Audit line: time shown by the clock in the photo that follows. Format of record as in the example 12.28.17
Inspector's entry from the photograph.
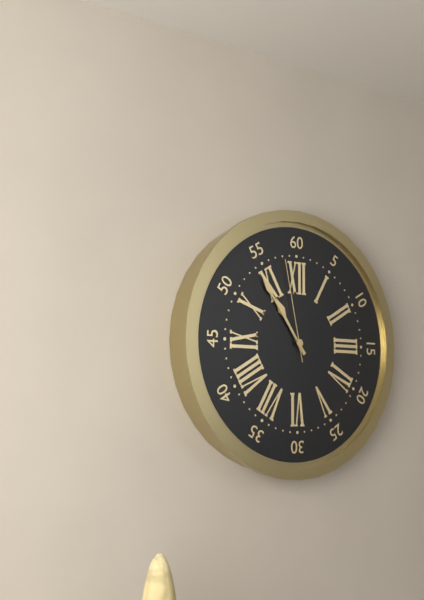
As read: 10.54.58
